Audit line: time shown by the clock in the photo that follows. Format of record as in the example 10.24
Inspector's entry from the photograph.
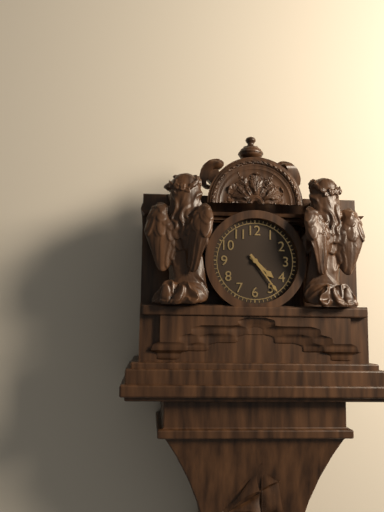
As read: 4.24
